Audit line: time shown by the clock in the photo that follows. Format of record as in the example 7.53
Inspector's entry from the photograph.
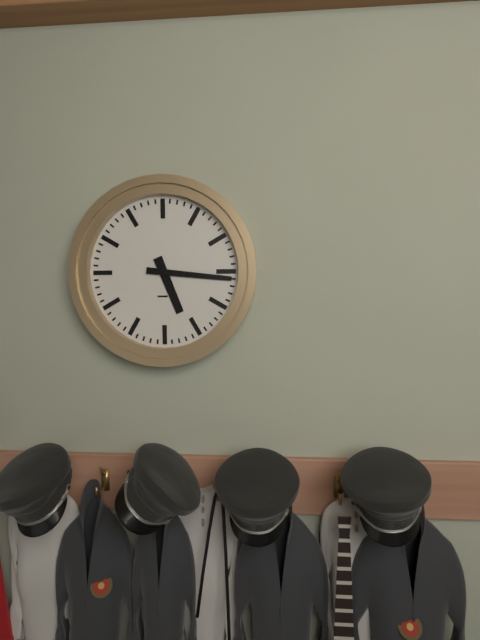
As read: 5.16
